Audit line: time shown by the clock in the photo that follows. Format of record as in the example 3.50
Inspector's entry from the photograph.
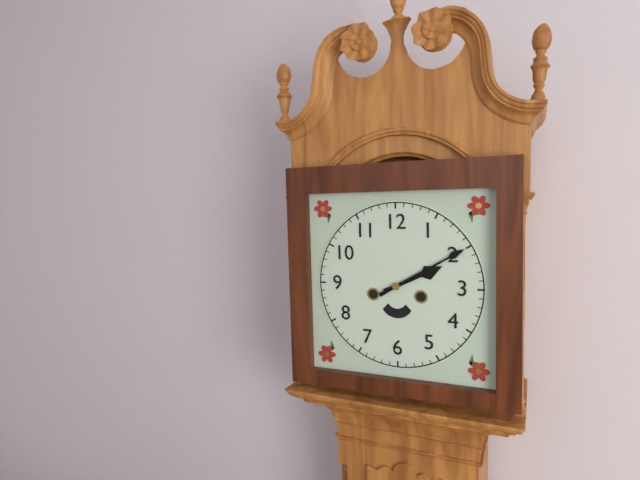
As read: 2.10
